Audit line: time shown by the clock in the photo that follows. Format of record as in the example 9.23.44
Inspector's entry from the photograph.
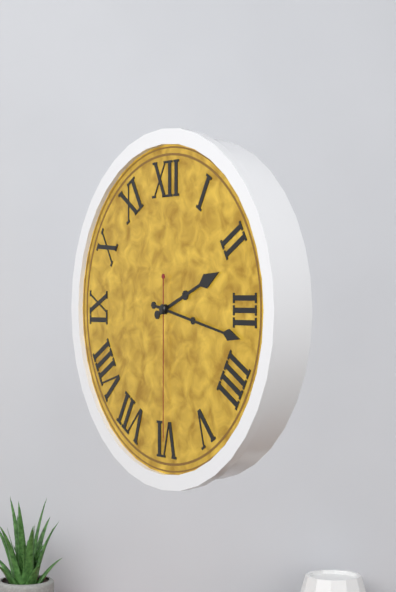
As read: 2.17.30
